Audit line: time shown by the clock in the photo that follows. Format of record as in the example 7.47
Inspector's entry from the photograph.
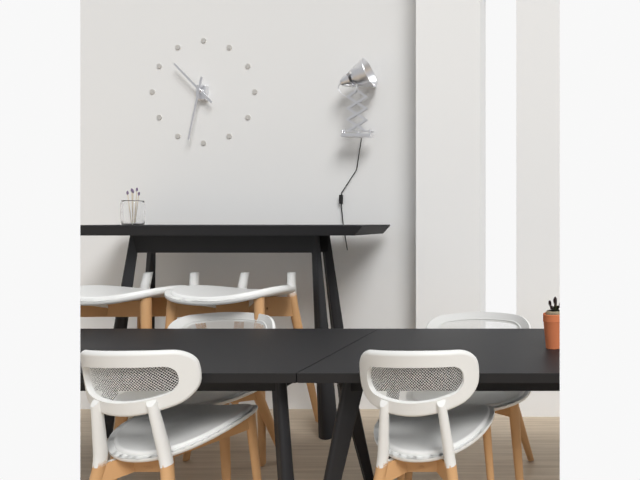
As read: 10.32
